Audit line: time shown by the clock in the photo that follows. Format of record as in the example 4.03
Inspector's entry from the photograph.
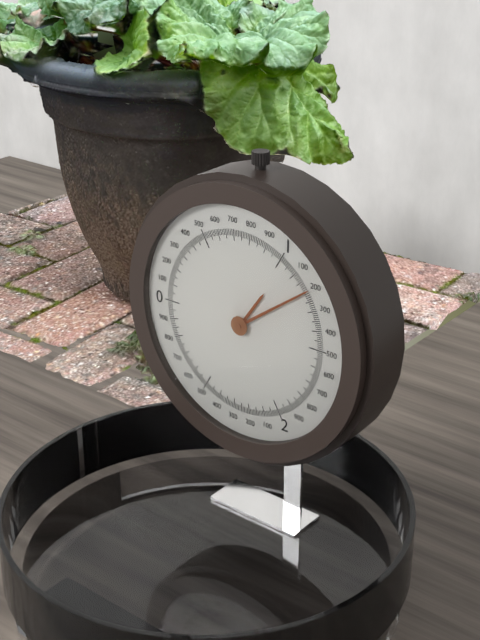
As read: 1.09
